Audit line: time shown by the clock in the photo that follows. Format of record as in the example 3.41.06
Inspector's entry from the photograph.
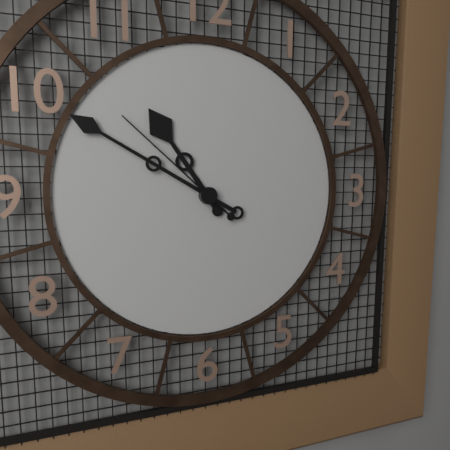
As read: 10.50.52
